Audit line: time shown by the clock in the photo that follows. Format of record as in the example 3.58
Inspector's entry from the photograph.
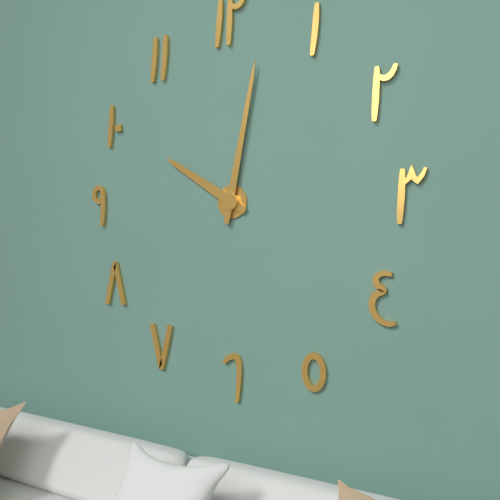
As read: 10.02
